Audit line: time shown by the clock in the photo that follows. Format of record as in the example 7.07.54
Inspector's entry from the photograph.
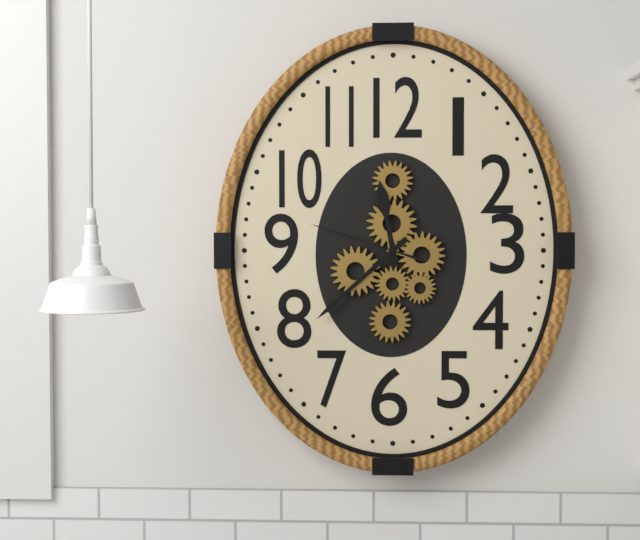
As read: 11.38.48
